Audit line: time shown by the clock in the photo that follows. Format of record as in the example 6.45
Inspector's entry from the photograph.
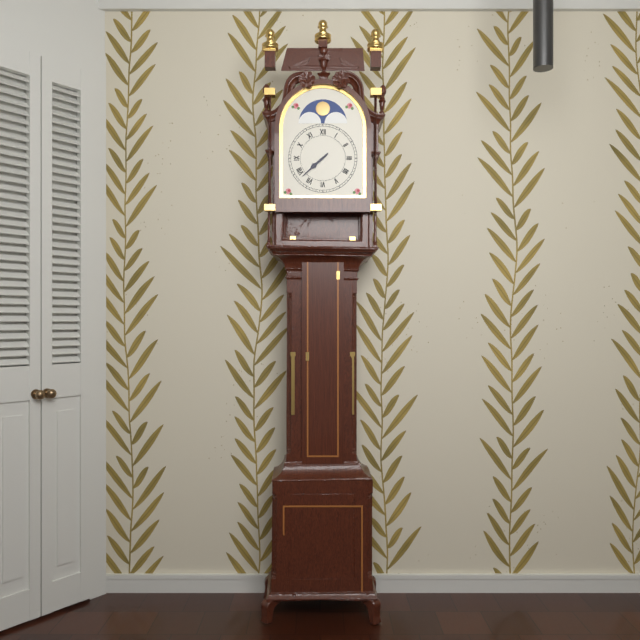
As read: 7.38
